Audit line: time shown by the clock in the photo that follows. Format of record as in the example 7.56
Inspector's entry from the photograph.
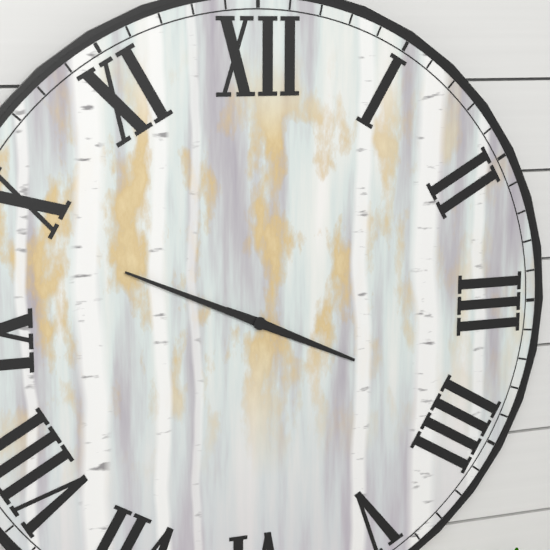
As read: 3.49
